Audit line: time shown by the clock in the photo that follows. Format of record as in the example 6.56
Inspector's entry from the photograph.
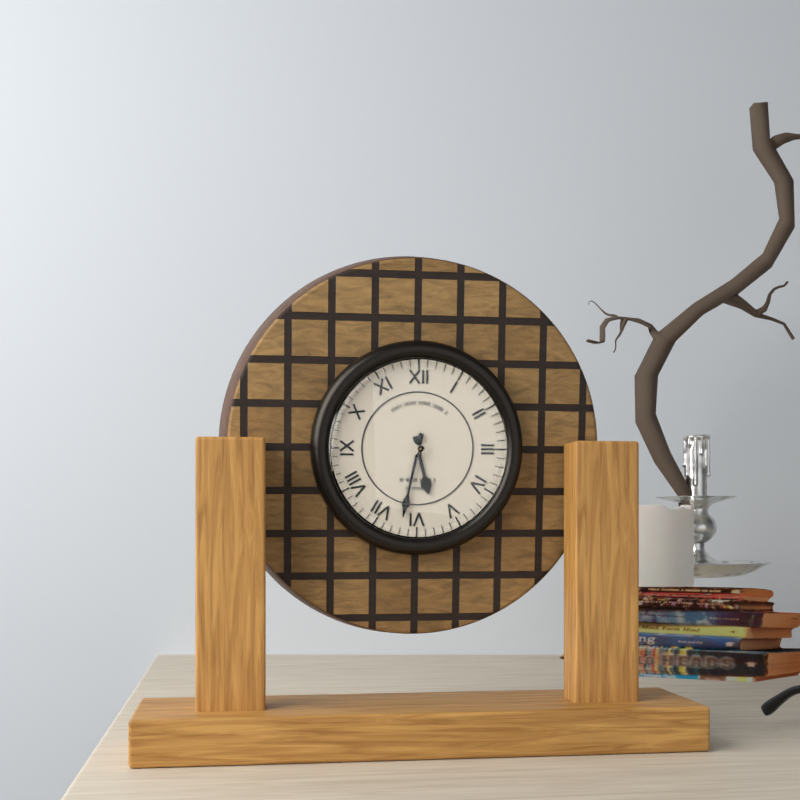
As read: 5.32
